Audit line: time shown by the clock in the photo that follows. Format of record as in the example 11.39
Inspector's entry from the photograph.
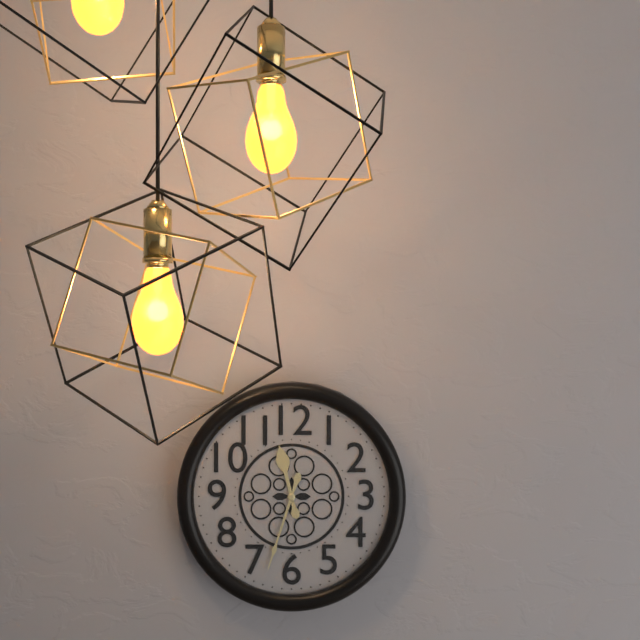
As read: 11.33
